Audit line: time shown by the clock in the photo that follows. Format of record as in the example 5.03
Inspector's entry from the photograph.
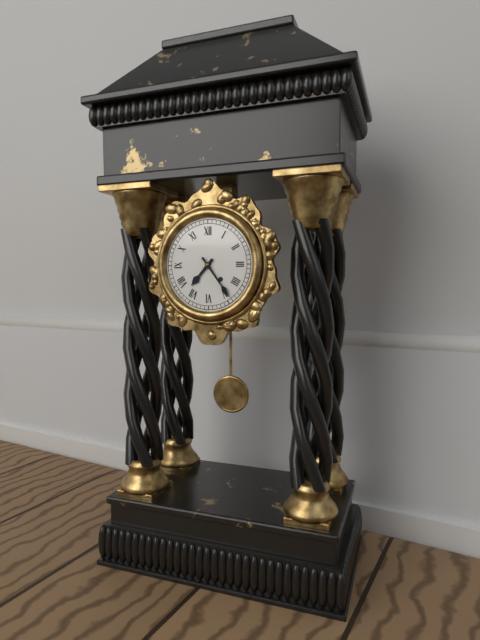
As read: 7.24
